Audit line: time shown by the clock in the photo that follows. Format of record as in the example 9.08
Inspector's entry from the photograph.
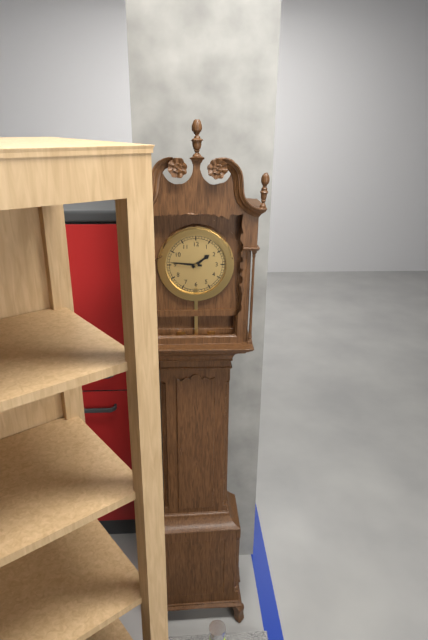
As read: 1.46
